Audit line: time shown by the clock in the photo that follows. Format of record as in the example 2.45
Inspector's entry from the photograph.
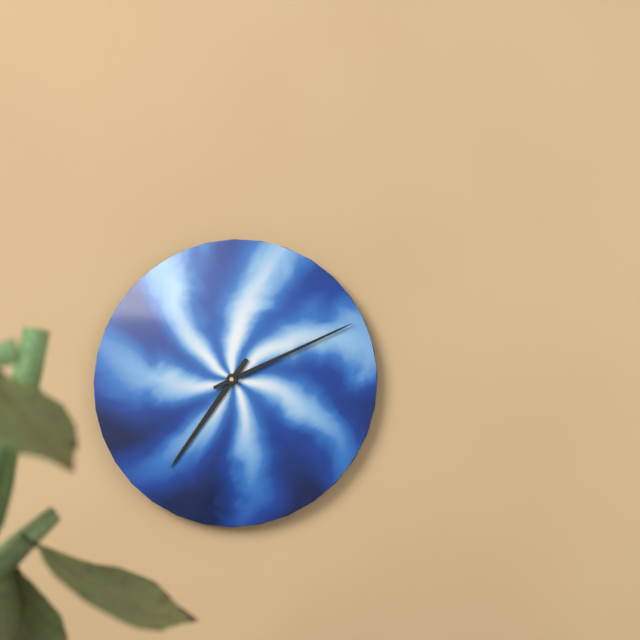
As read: 7.11
